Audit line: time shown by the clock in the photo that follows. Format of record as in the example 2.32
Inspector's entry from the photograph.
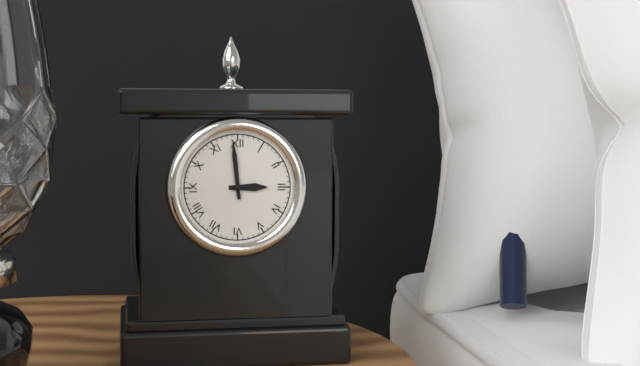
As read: 2.59
